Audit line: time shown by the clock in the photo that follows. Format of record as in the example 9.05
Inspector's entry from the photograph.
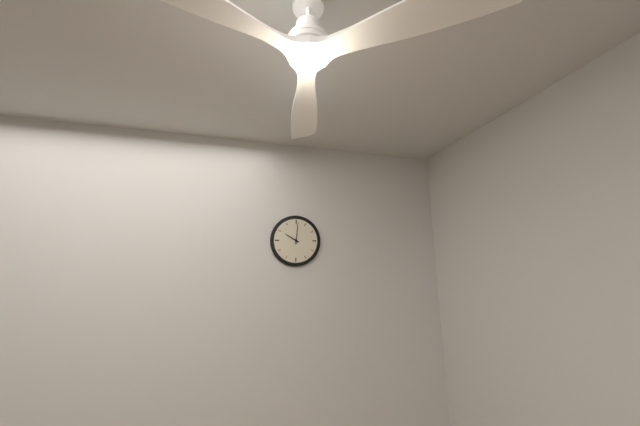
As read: 10.01
